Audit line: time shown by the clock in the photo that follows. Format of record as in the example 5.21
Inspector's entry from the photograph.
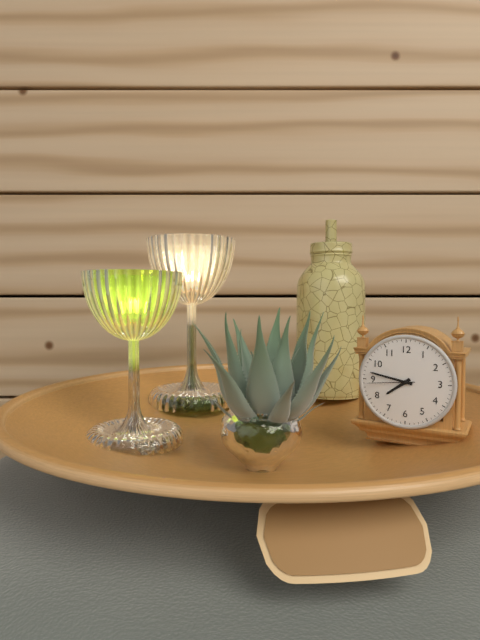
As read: 7.47
